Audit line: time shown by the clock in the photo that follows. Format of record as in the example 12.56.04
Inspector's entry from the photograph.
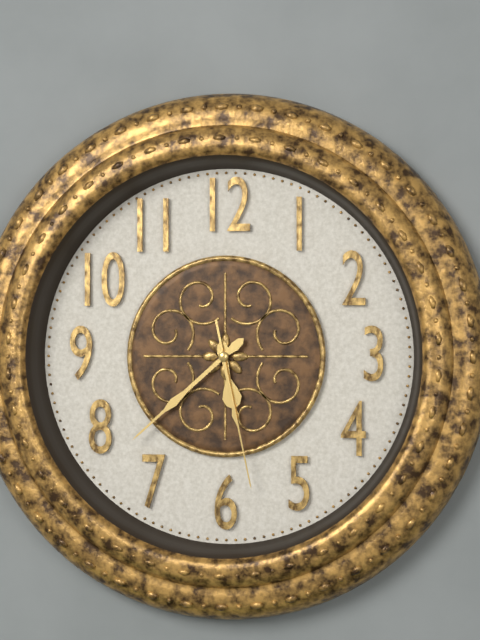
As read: 5.38.28
